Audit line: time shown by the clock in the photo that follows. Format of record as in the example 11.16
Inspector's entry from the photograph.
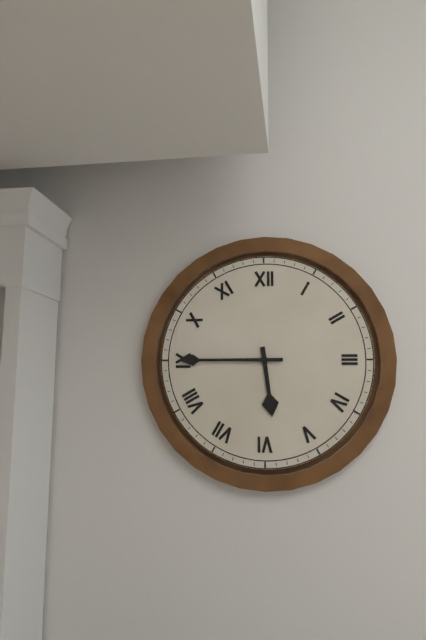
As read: 5.45
